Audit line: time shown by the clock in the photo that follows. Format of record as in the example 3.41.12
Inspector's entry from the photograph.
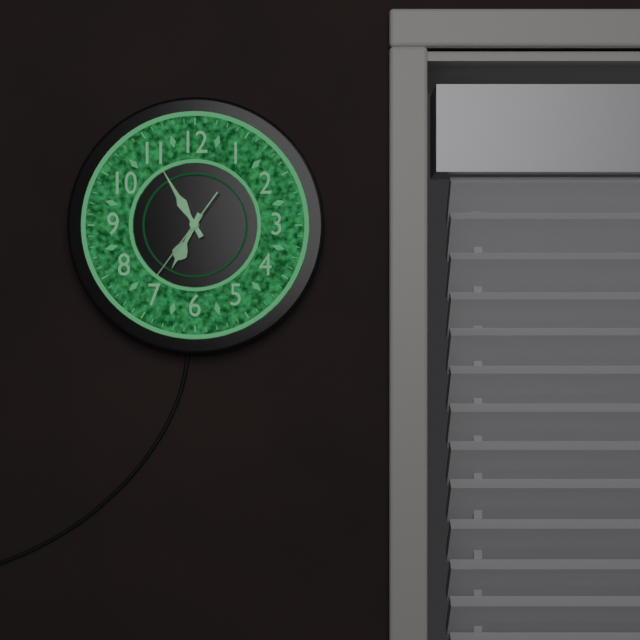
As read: 6.55.36
